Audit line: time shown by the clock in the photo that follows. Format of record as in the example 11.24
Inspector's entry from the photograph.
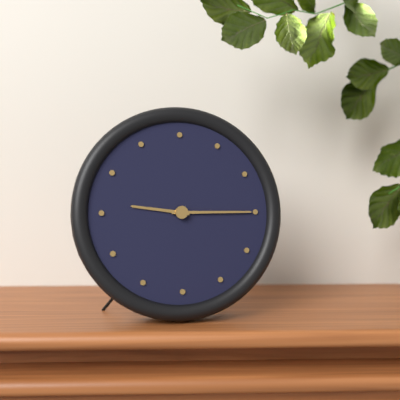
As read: 9.15
